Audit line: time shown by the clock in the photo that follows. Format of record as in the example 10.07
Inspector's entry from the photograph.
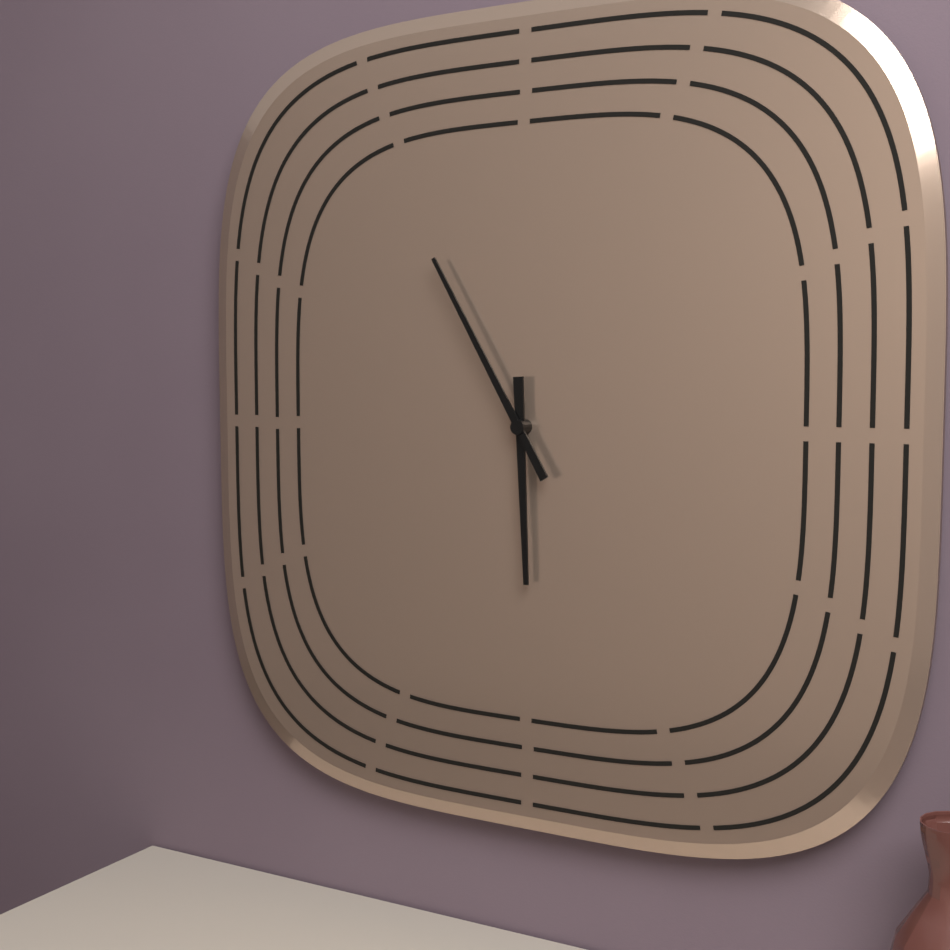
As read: 5.55
